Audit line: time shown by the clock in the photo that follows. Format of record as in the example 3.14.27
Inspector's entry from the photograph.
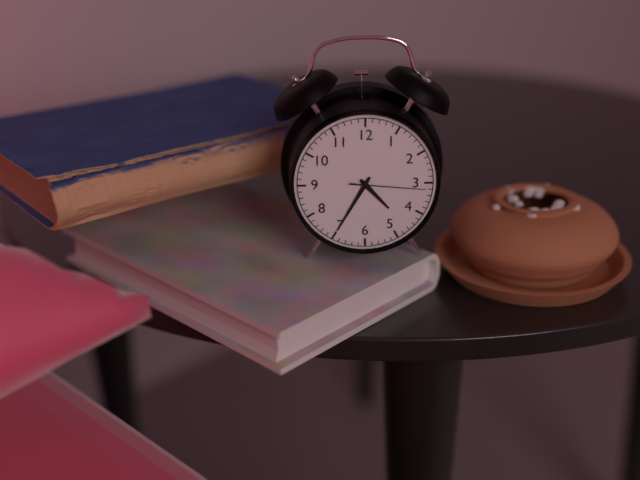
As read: 4.35.16
